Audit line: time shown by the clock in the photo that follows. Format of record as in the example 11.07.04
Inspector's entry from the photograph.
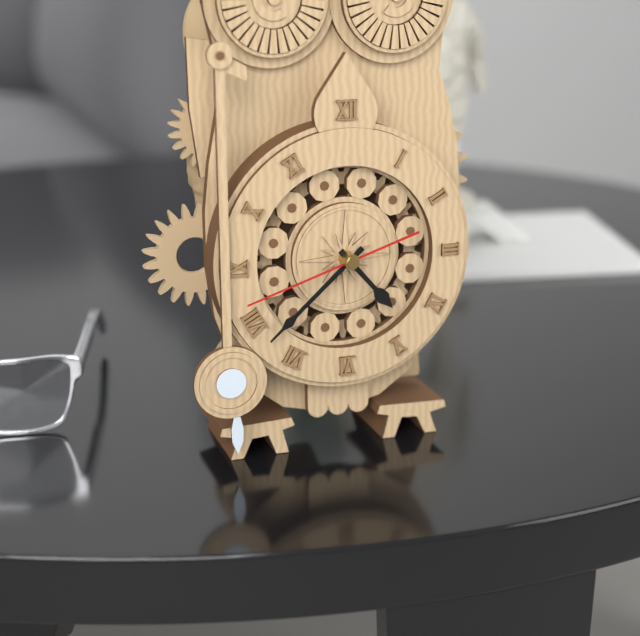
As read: 4.38.42
